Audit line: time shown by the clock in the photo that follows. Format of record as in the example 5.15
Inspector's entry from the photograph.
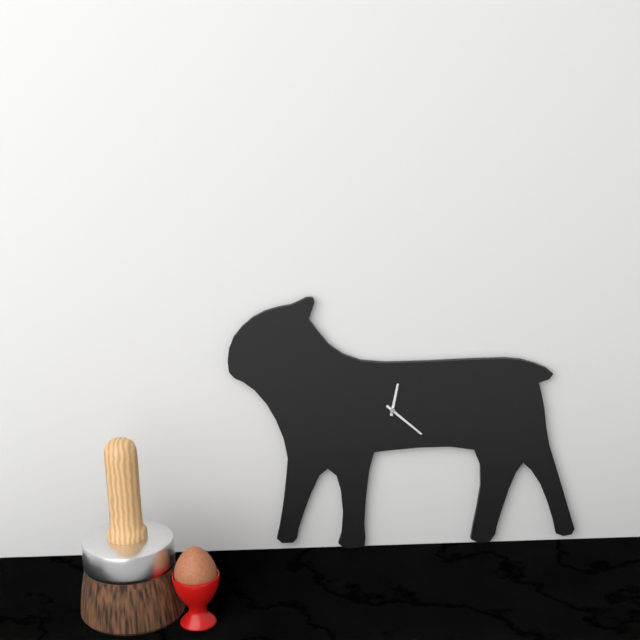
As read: 12.22
